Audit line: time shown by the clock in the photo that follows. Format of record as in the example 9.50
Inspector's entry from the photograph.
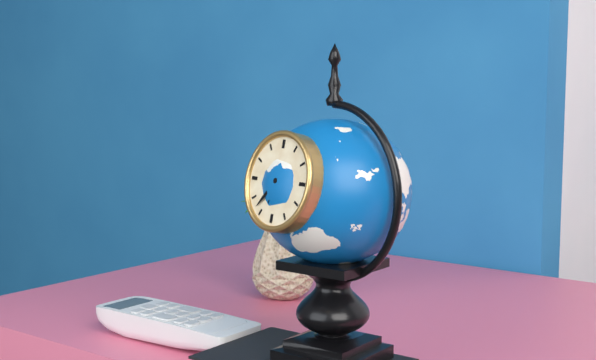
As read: 6.37
